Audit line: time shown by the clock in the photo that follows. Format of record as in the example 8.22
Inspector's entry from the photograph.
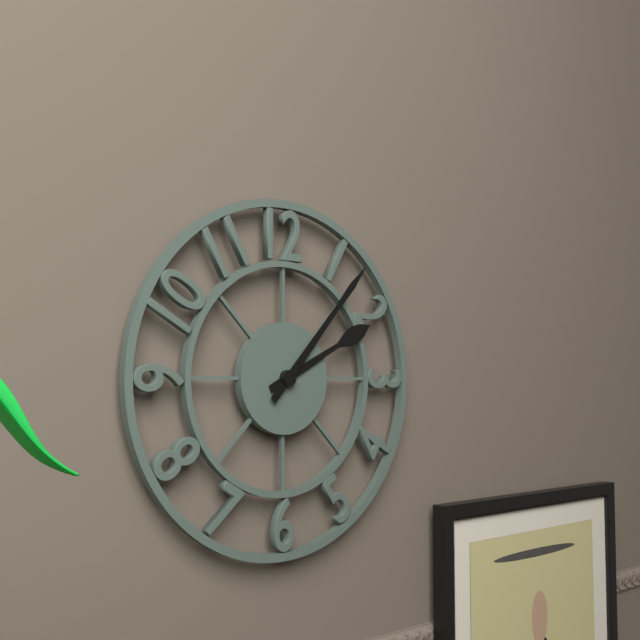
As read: 2.07
